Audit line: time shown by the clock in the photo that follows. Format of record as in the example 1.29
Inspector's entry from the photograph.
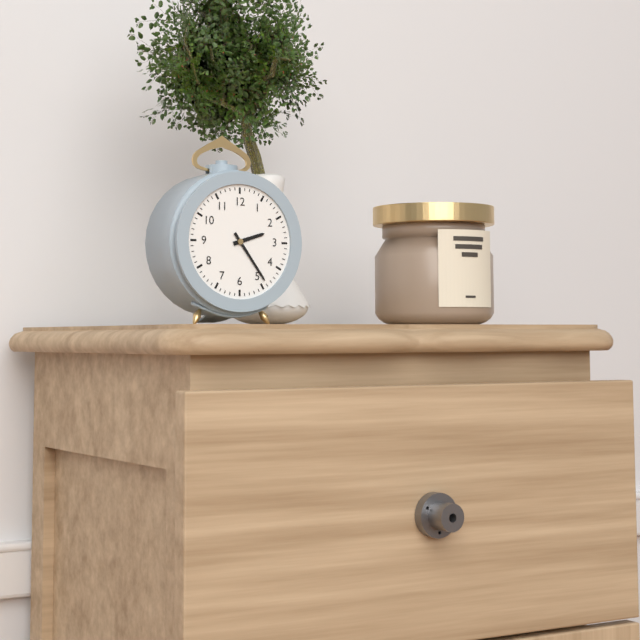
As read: 2.24
